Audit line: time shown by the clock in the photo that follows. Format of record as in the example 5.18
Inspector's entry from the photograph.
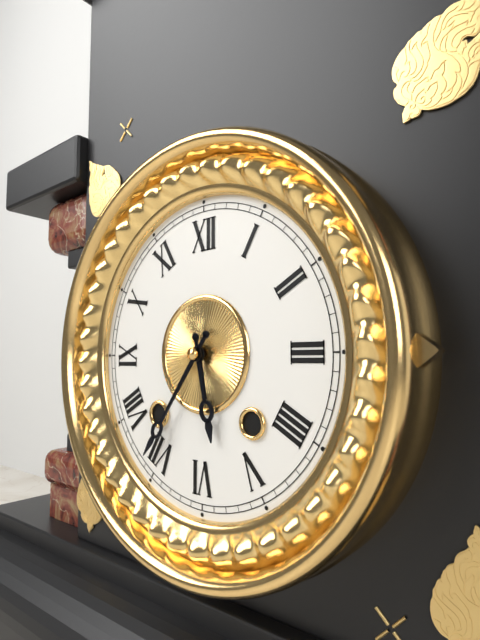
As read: 5.36
